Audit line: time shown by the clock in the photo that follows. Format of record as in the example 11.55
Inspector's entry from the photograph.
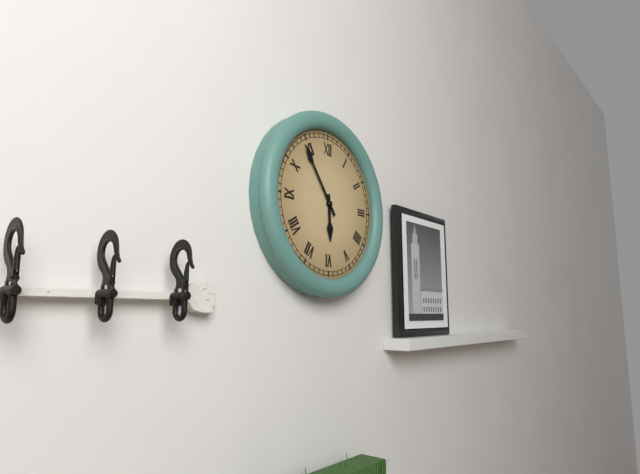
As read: 5.54
